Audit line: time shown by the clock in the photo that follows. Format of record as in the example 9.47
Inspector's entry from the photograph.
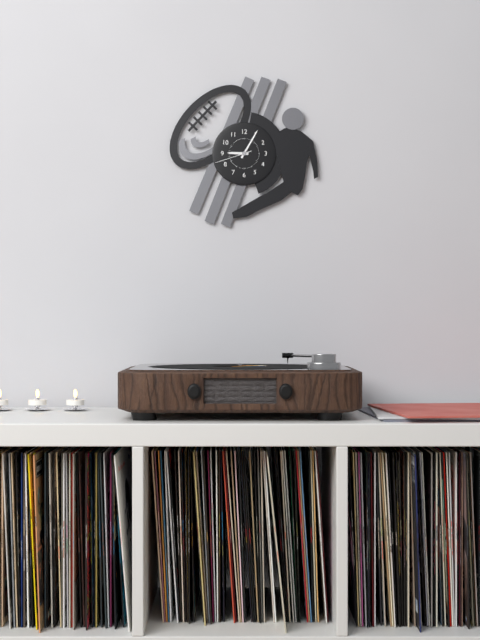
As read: 9.05
